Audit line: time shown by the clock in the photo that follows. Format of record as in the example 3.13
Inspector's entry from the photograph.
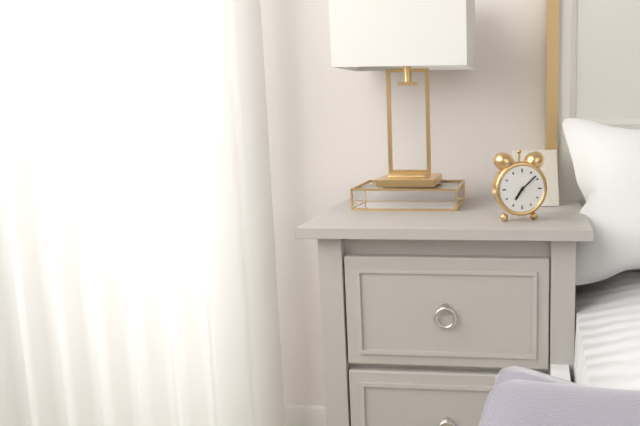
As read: 7.08
